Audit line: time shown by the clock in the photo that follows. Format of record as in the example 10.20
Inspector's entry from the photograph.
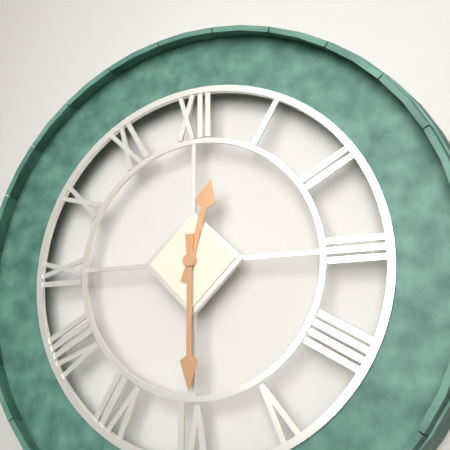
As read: 12.30
